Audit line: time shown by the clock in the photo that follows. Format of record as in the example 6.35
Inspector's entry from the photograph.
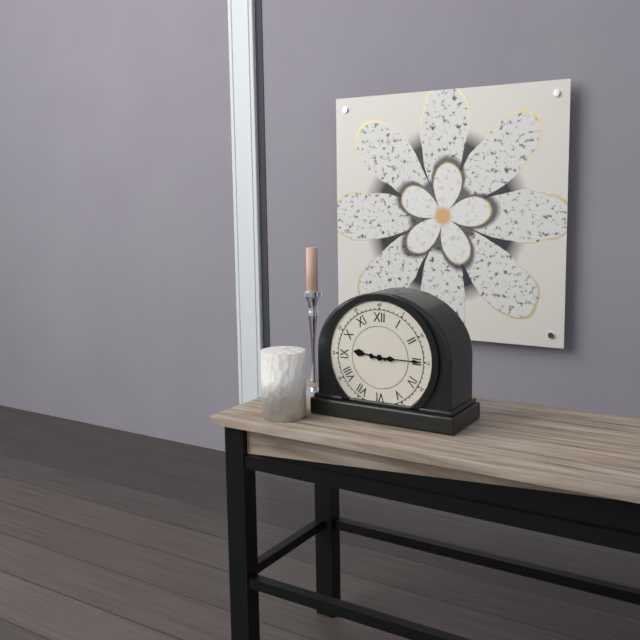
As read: 9.15
